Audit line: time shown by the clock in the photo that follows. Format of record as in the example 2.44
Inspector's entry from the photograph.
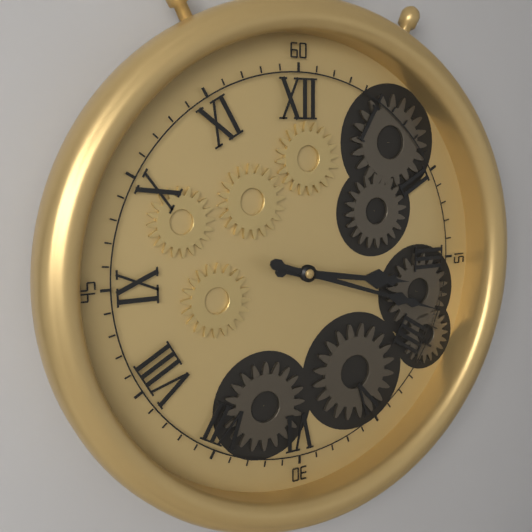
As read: 3.18
